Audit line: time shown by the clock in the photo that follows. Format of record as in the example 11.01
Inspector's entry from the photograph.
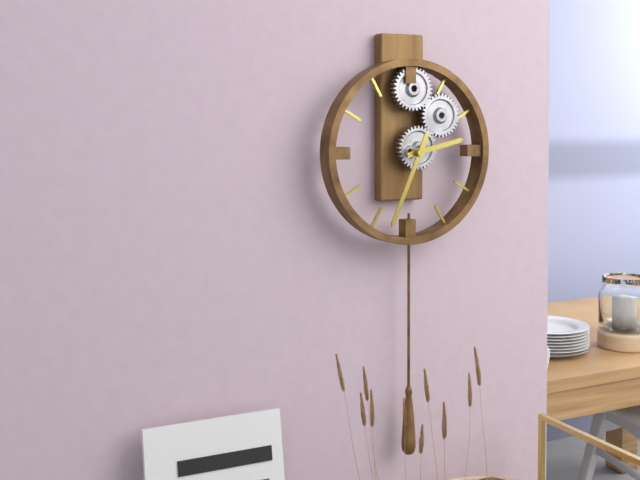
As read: 2.34
